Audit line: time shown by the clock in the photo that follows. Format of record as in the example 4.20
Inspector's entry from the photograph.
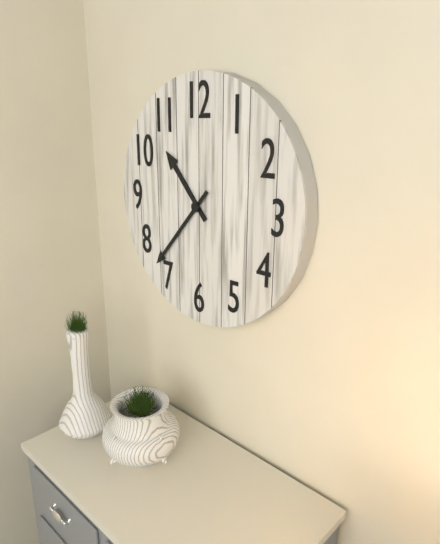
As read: 10.37
